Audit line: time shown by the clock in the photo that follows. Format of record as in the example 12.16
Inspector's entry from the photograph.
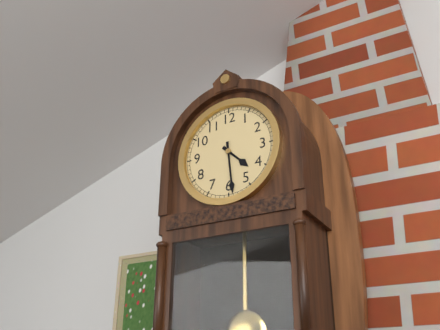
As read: 4.29
